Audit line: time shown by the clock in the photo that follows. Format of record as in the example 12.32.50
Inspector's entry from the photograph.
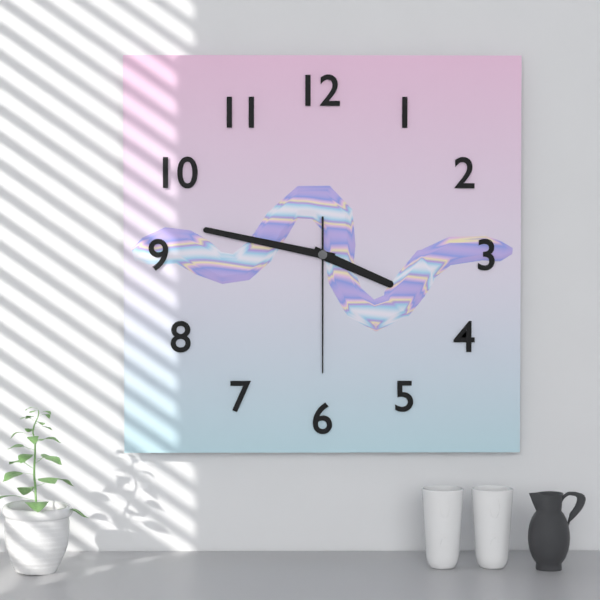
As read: 3.47.30
